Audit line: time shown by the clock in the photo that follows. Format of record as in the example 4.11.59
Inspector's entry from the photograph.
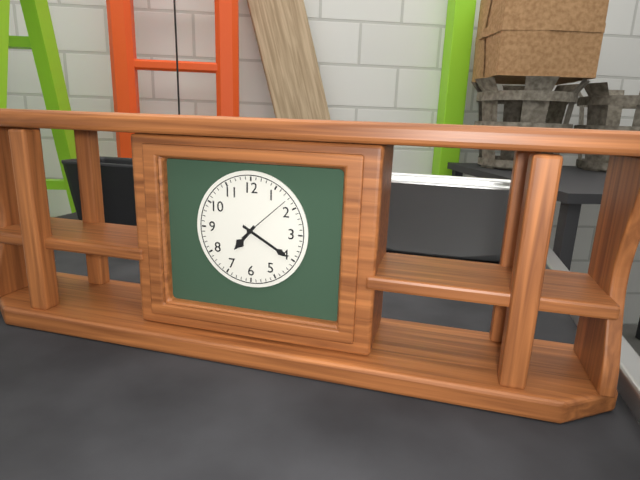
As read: 7.20.08
